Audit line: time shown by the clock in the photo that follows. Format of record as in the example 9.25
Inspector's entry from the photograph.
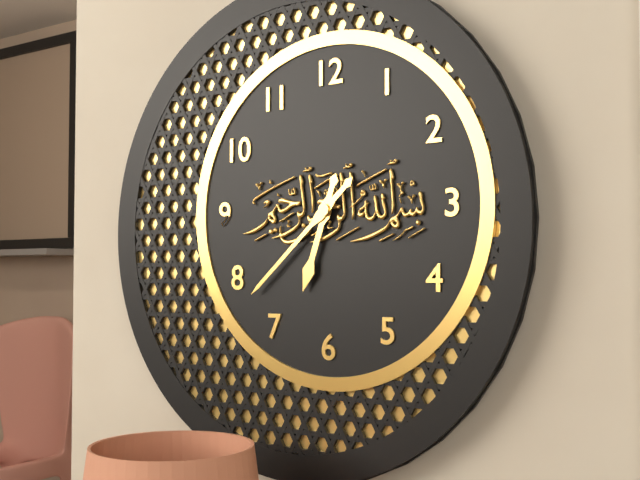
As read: 6.38
